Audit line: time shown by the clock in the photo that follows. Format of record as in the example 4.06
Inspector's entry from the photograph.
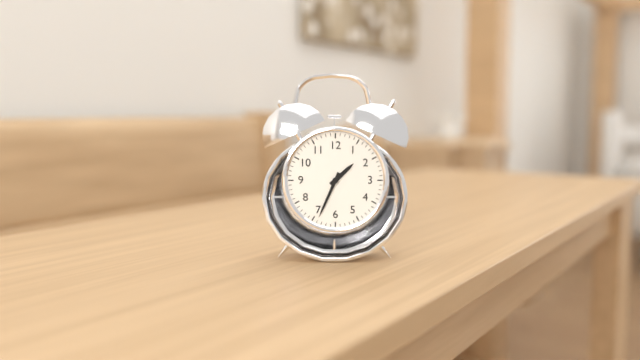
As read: 1.34
